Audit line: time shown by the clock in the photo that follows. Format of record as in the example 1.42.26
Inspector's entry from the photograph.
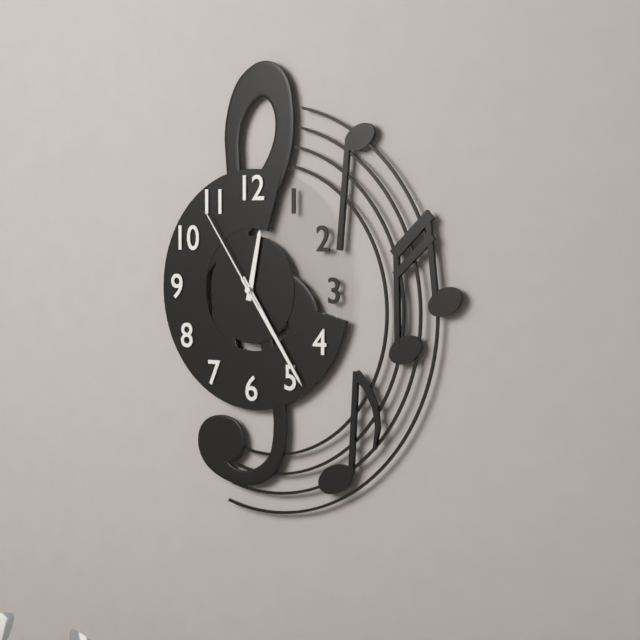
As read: 12.24.54
